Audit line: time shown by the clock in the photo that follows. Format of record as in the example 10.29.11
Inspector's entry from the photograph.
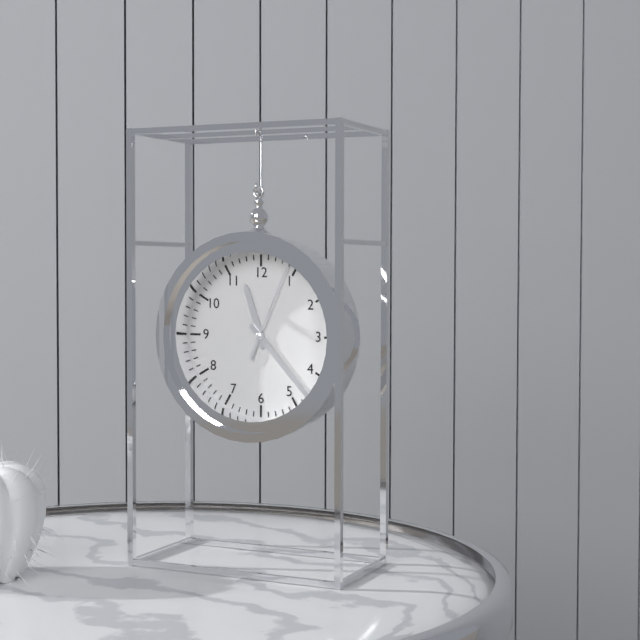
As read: 11.23.04
